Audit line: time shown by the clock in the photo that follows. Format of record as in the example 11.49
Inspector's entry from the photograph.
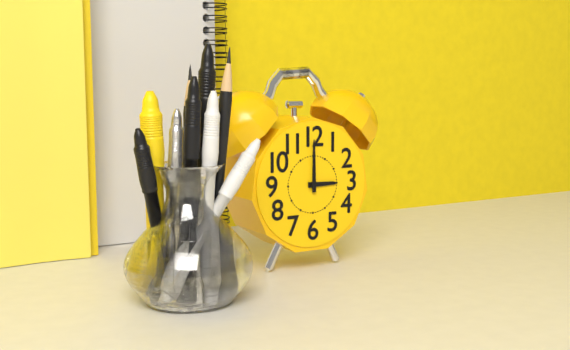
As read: 3.00
